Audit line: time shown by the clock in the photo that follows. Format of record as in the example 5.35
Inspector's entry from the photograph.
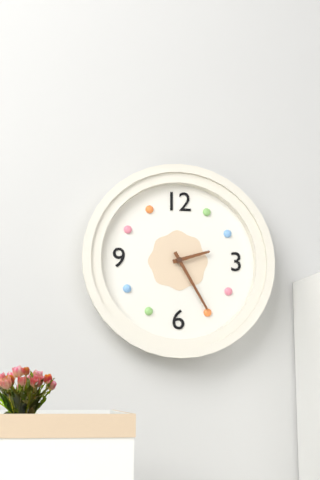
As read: 2.25
